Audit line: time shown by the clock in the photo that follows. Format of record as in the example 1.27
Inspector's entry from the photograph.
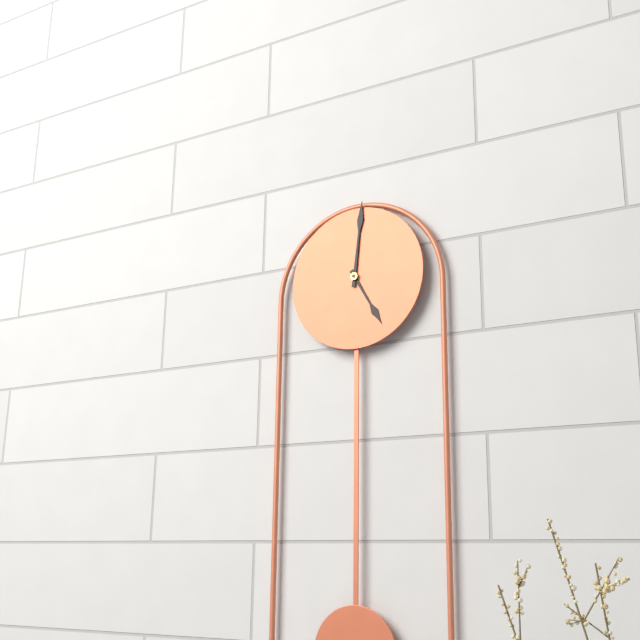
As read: 5.01
